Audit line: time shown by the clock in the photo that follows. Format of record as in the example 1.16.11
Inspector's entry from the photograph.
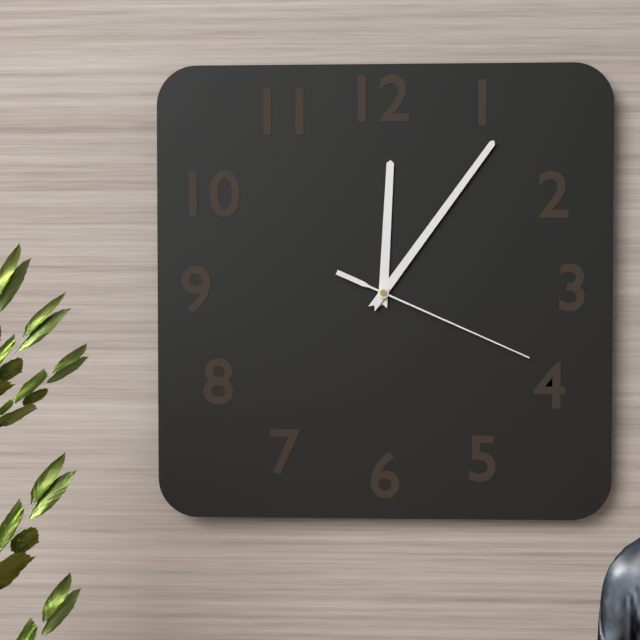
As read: 12.06.19
